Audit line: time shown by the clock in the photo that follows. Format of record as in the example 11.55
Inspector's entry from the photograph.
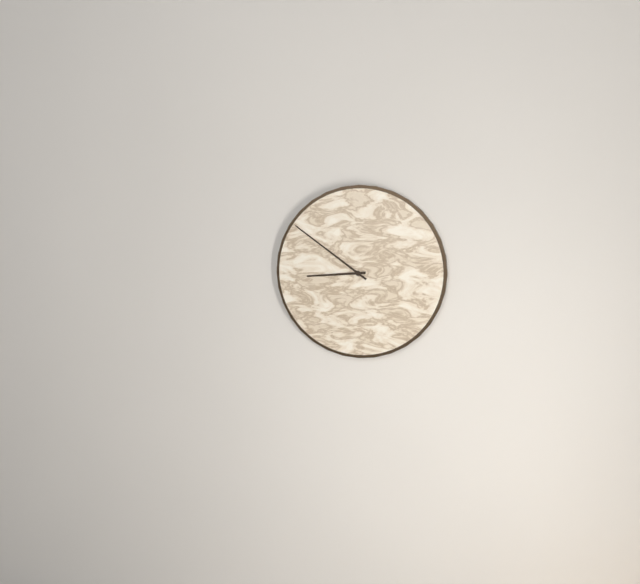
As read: 8.51
